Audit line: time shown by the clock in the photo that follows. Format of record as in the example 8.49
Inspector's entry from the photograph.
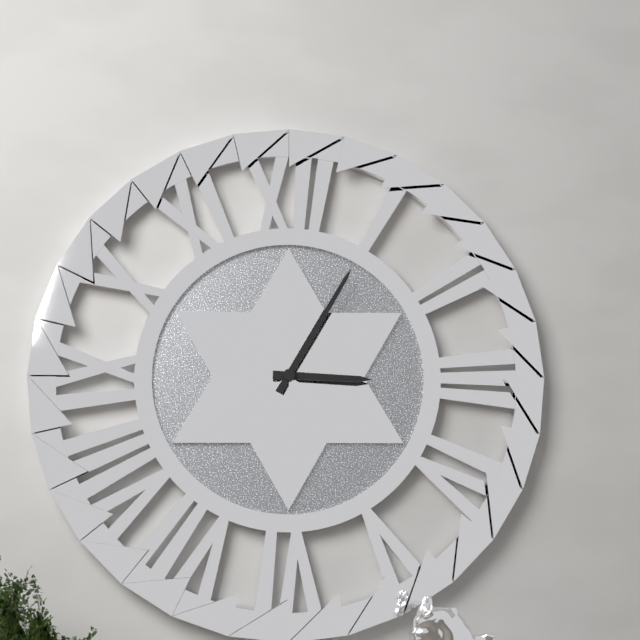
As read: 3.05
